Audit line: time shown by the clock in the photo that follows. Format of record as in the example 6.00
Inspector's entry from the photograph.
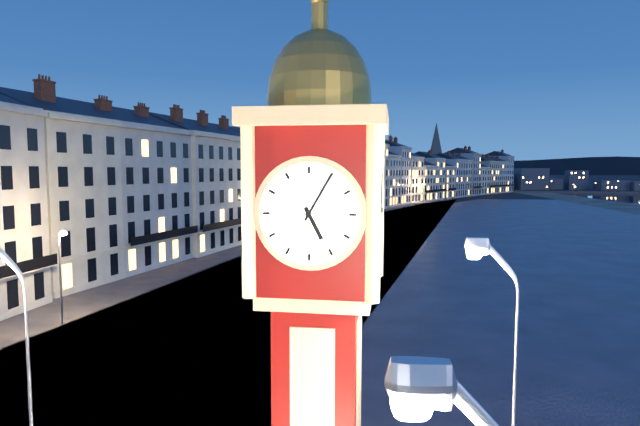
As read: 5.05
